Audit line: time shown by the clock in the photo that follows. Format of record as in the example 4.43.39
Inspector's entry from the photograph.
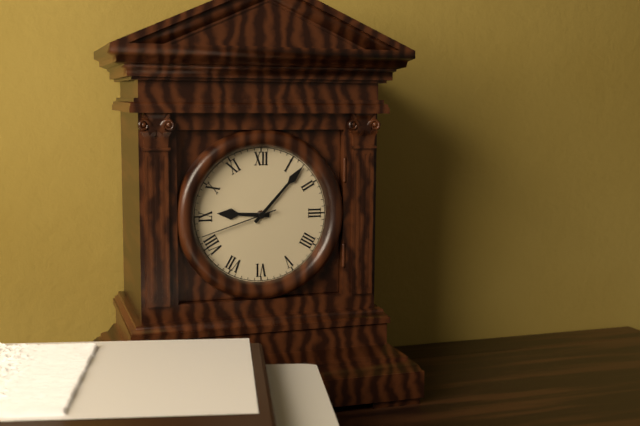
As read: 9.07.42
